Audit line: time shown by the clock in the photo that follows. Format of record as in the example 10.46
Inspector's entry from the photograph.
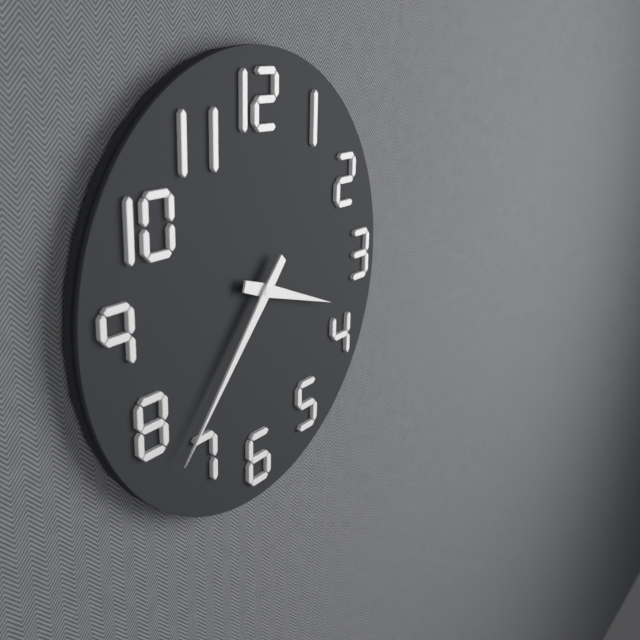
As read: 3.37
